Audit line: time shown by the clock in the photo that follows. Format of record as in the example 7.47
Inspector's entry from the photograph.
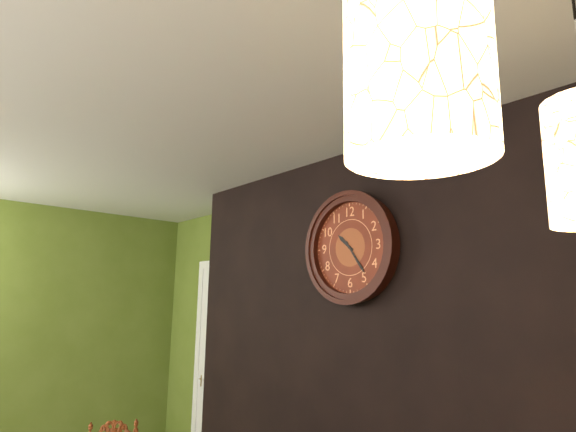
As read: 10.24
